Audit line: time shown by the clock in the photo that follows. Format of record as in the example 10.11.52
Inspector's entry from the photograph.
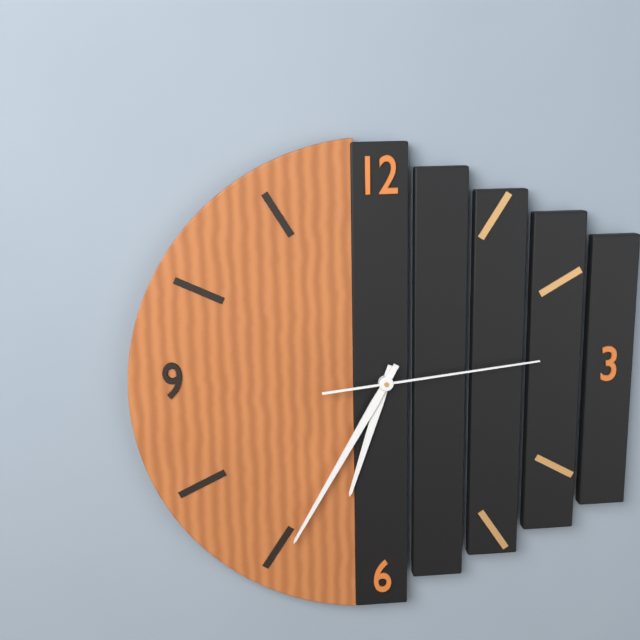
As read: 6.35.14
